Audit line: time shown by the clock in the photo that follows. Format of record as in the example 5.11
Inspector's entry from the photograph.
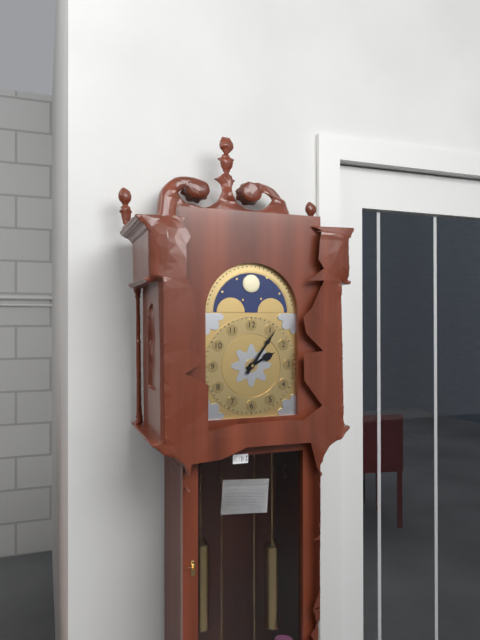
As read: 2.06
